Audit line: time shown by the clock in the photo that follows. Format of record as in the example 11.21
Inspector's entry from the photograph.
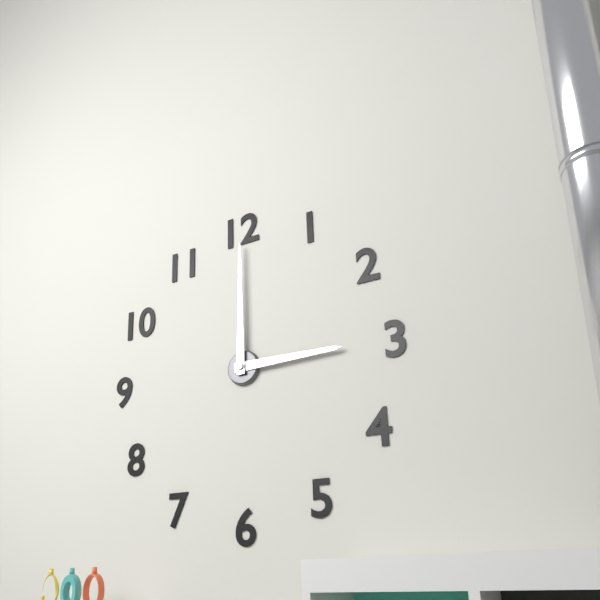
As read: 3.00
